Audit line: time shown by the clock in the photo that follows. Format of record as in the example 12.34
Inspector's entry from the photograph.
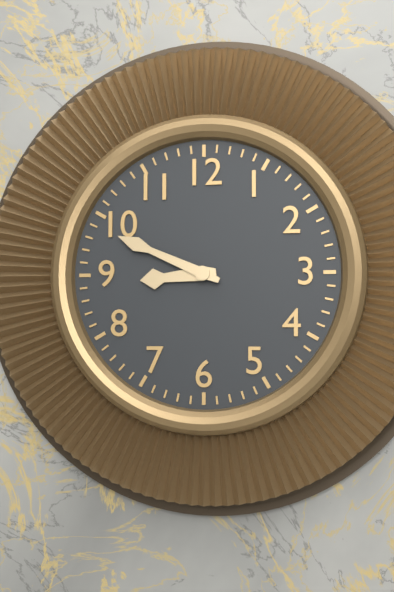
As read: 8.49
